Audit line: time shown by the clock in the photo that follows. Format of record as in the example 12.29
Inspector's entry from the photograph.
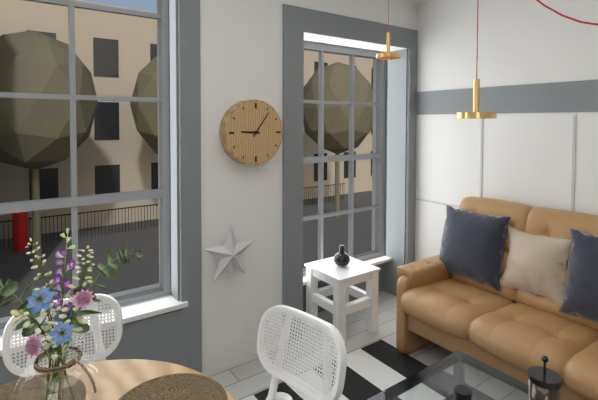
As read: 9.06
